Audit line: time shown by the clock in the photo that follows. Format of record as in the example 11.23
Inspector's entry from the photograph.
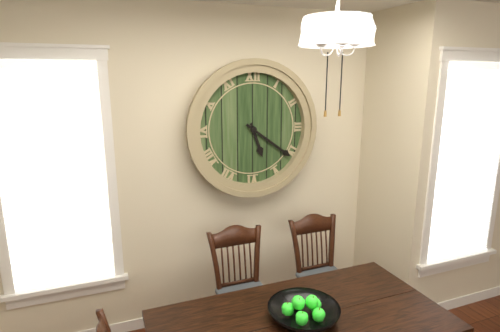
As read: 5.21
